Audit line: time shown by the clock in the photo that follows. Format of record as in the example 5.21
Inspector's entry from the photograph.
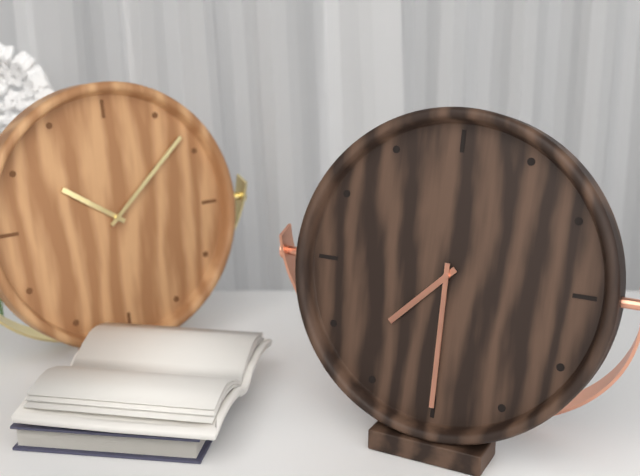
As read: 7.30
